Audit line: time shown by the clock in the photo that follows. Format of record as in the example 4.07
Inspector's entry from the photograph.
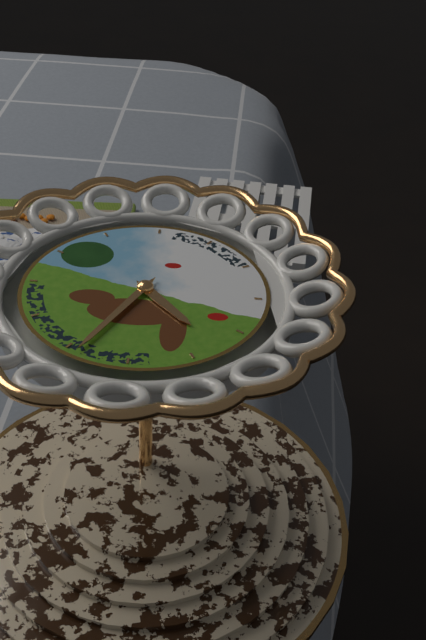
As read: 4.34
